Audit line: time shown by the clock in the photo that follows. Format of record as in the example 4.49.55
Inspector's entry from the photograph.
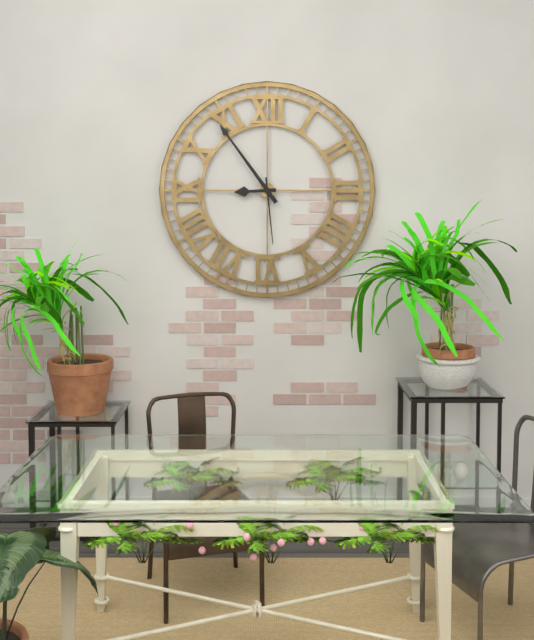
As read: 8.54.29
